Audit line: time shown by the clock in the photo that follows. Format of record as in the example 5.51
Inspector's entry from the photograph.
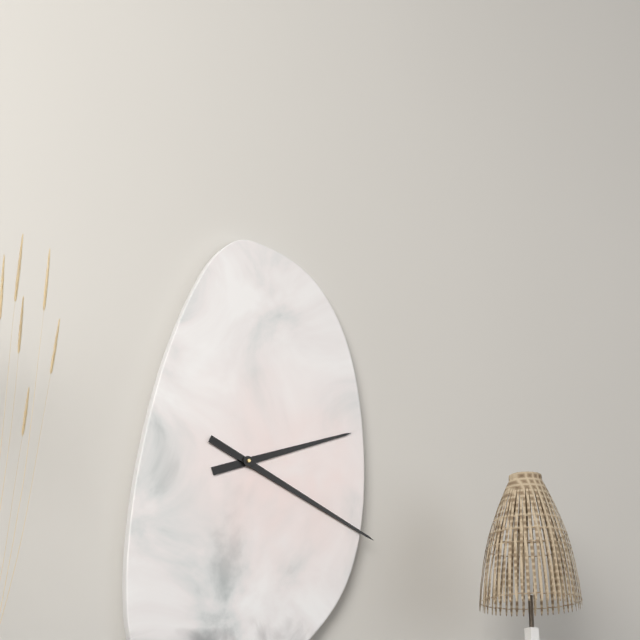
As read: 2.19
